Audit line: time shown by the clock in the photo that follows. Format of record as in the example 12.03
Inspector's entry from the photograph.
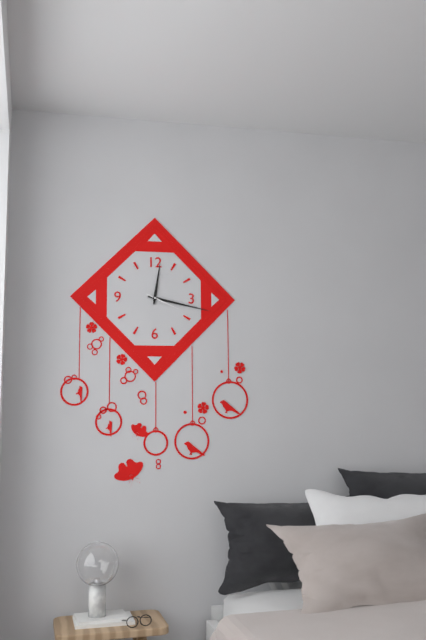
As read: 12.17
